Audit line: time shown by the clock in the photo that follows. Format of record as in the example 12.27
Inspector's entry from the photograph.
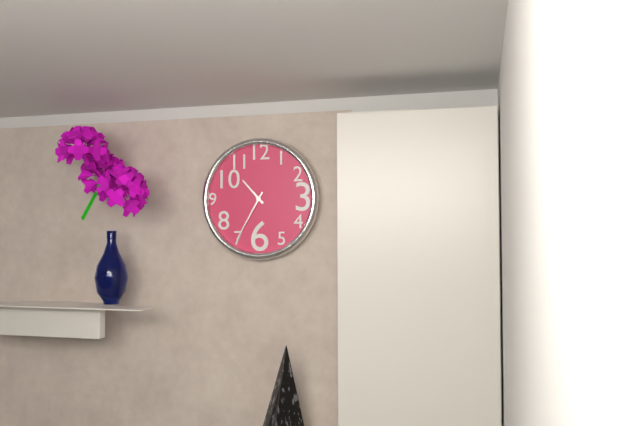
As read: 10.35
